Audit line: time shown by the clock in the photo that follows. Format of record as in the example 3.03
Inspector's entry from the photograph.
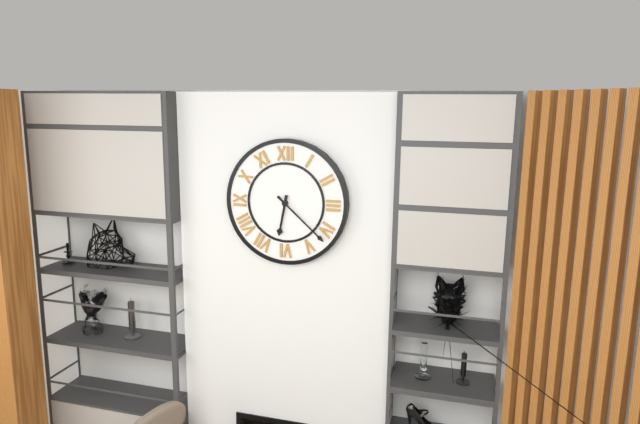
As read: 6.22
